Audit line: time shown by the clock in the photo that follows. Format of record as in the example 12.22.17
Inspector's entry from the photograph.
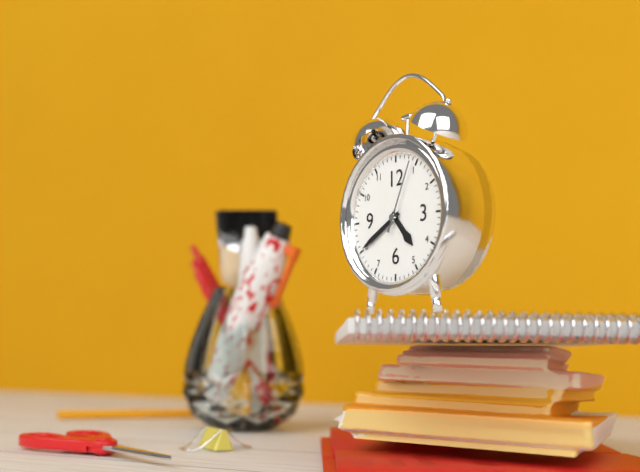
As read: 4.40.04
